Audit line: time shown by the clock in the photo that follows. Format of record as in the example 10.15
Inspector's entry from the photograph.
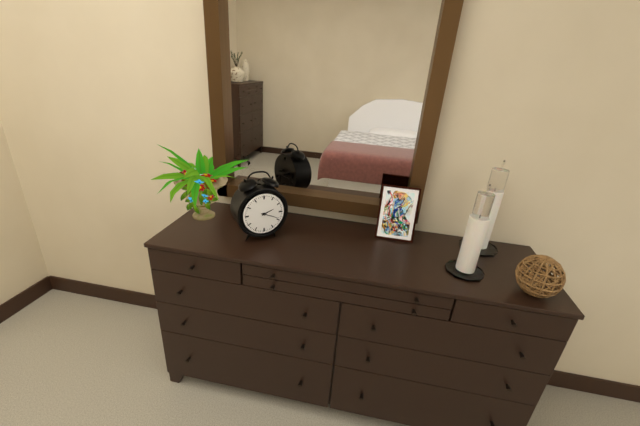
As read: 2.19
